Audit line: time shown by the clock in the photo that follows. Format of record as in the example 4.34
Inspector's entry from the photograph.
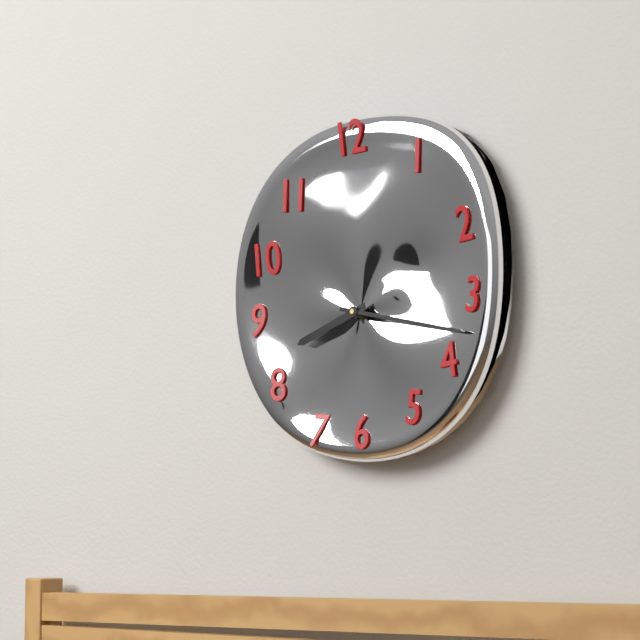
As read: 8.17
